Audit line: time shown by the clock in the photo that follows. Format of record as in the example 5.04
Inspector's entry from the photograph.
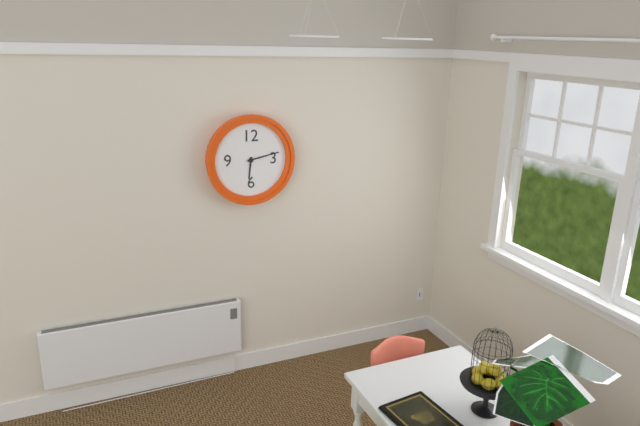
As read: 6.13
